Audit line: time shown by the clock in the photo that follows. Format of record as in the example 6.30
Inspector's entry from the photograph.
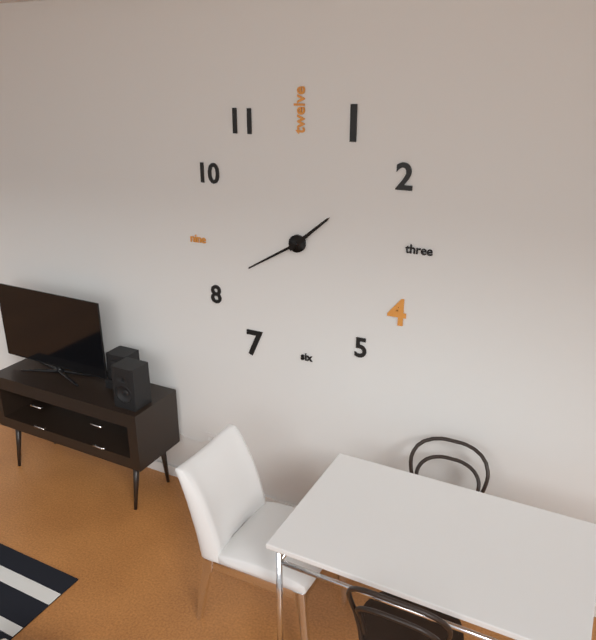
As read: 1.40
